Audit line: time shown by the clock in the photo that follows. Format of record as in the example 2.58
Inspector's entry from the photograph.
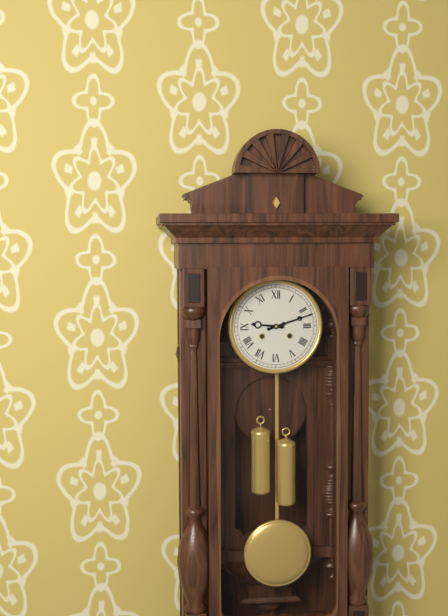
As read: 9.12
